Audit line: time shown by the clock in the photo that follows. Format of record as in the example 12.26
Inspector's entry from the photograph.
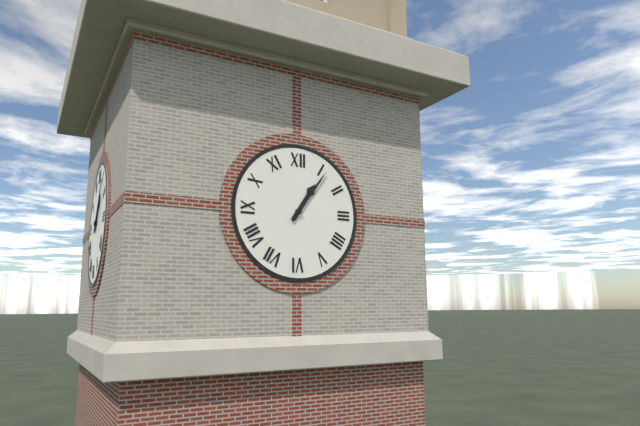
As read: 1.06
